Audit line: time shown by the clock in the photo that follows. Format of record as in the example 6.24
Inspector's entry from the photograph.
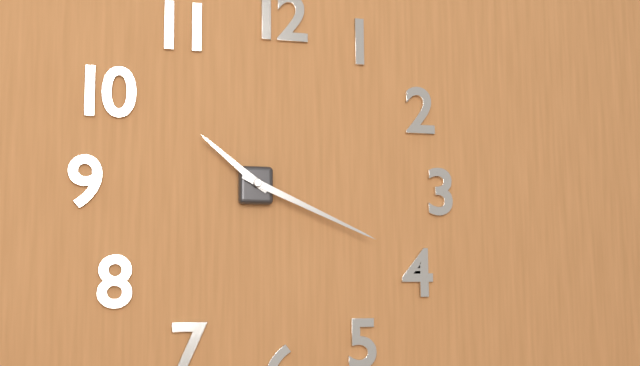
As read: 10.19
